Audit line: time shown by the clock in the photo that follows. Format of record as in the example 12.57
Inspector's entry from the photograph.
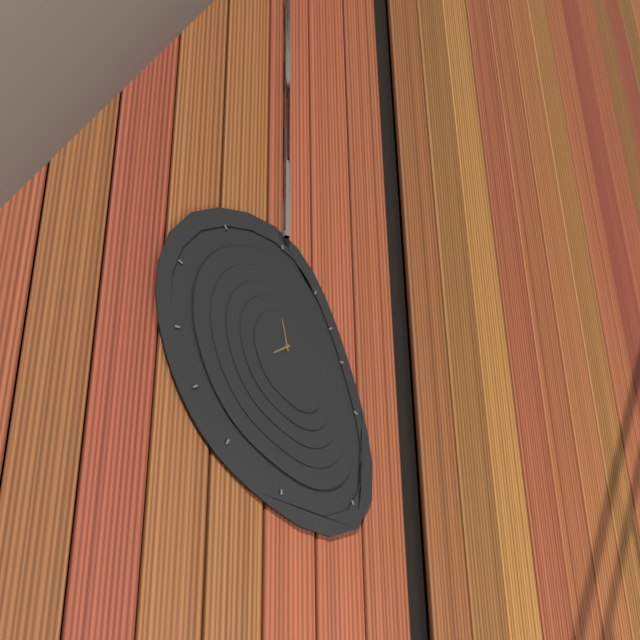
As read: 7.58
